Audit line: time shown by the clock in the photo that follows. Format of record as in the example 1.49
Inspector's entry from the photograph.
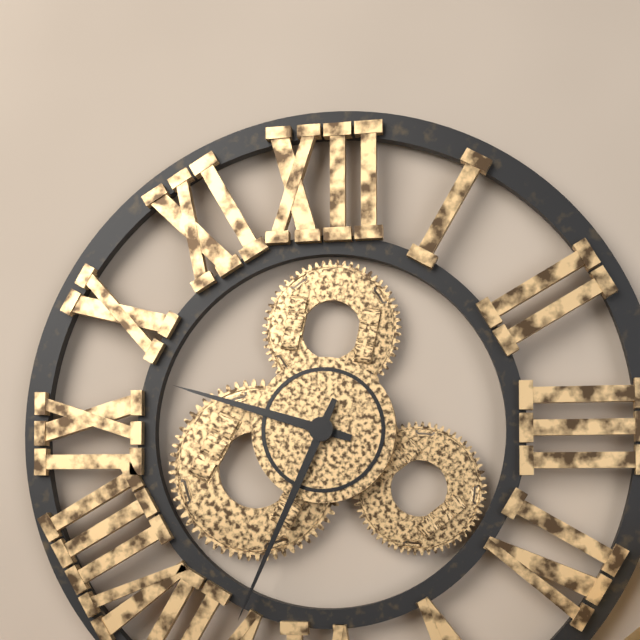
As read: 9.34
